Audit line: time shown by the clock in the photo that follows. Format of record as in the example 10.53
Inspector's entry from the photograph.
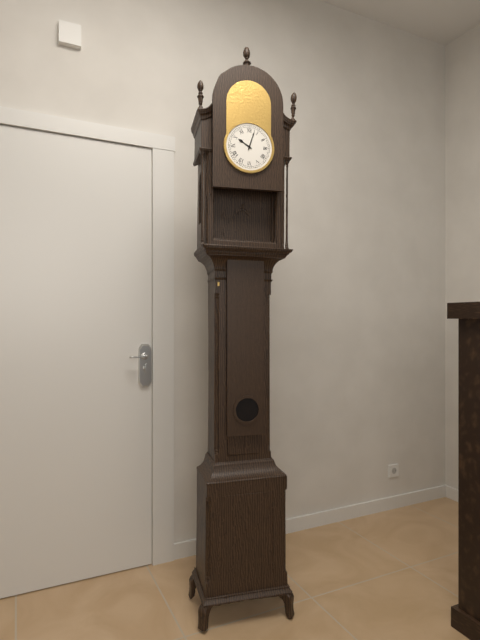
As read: 10.03
